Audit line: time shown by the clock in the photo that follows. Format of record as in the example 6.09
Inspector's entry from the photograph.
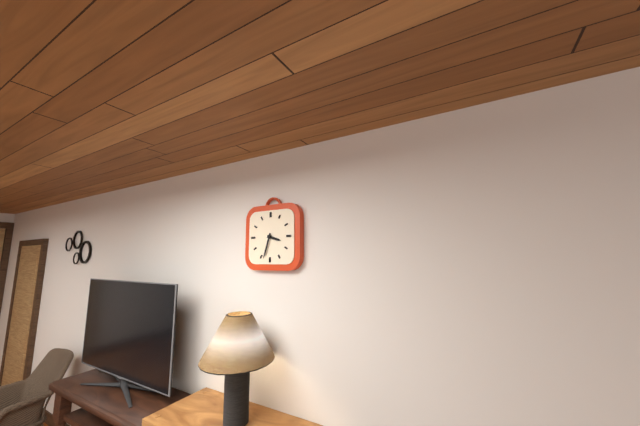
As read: 3.33
